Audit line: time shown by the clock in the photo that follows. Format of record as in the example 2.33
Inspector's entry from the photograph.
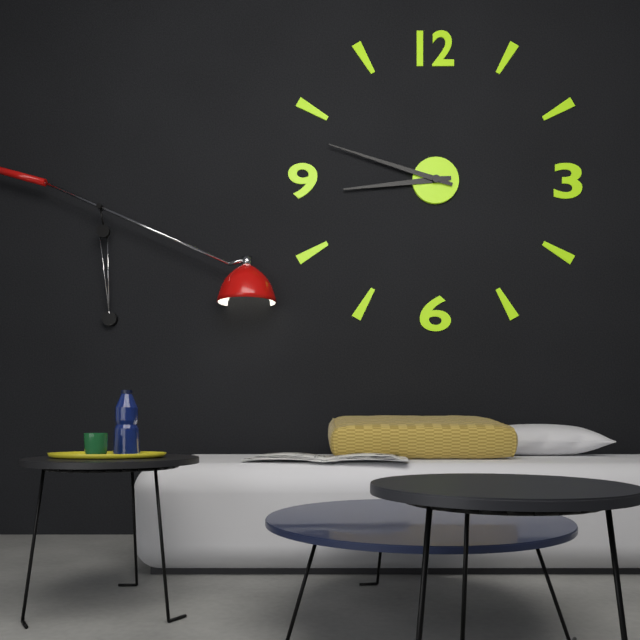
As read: 8.48
